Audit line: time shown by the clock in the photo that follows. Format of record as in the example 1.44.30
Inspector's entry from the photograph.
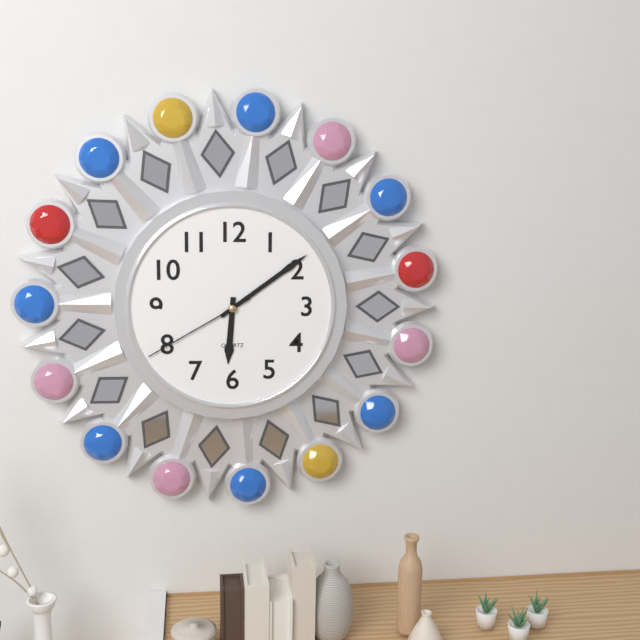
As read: 6.09.40
